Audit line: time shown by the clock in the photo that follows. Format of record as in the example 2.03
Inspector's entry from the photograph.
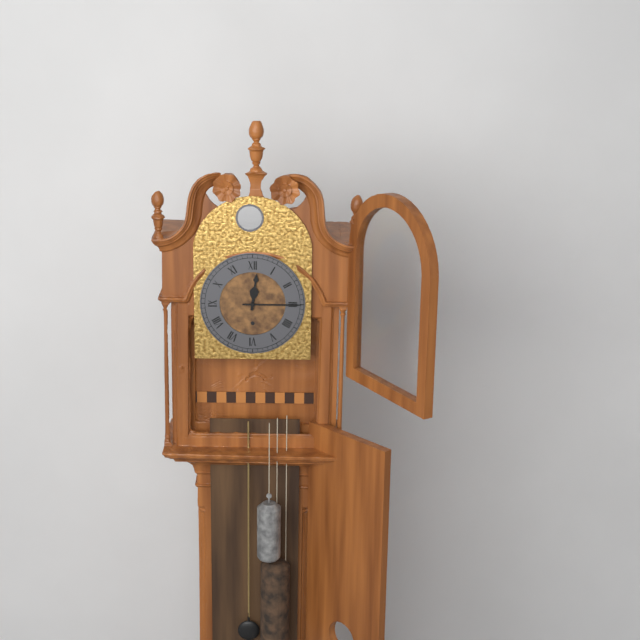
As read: 12.15
